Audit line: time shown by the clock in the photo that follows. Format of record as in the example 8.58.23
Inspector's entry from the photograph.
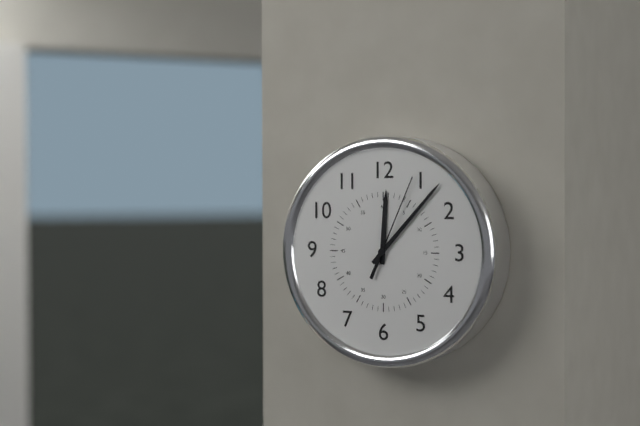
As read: 12.07.04
